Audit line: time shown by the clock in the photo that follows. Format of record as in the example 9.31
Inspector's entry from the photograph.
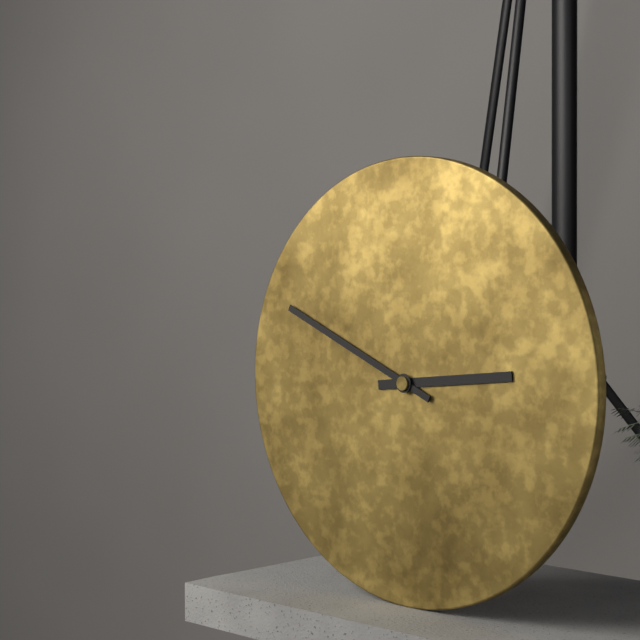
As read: 2.49
